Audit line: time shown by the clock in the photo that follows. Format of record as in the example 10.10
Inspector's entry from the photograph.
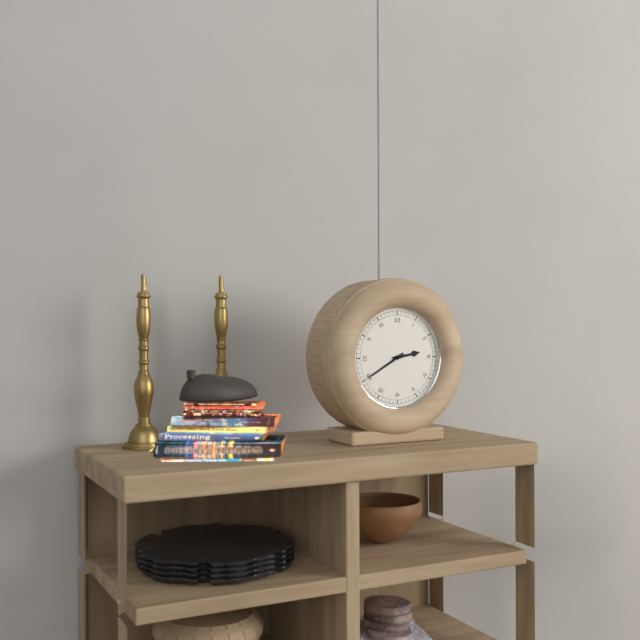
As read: 2.40
